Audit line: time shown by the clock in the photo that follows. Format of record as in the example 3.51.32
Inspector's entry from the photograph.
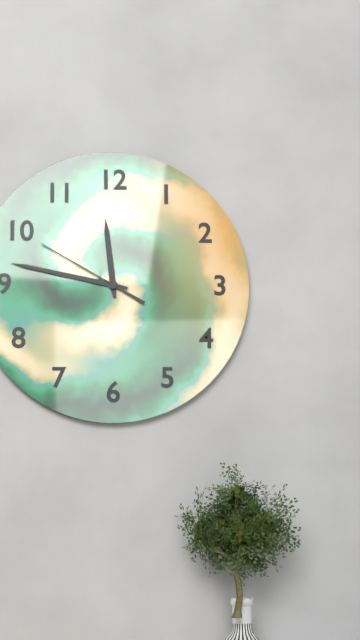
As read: 11.47.50
